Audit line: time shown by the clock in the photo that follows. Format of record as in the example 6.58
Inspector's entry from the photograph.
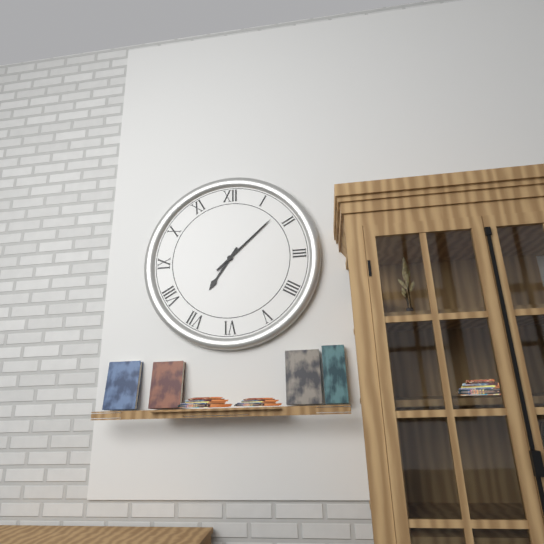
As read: 7.08
